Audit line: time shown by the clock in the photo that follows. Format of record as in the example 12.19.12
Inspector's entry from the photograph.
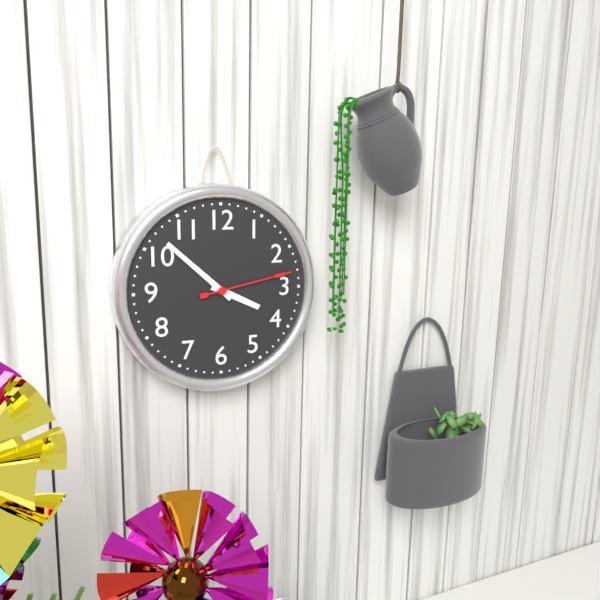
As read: 3.52.13
